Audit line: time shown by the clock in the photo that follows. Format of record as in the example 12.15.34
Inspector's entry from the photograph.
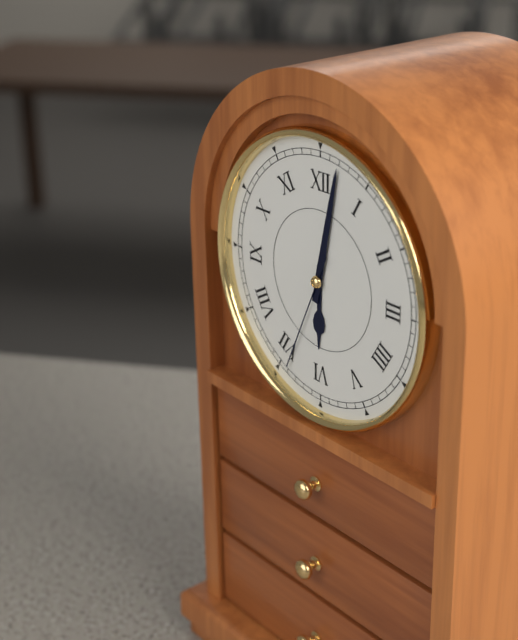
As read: 6.02.34
